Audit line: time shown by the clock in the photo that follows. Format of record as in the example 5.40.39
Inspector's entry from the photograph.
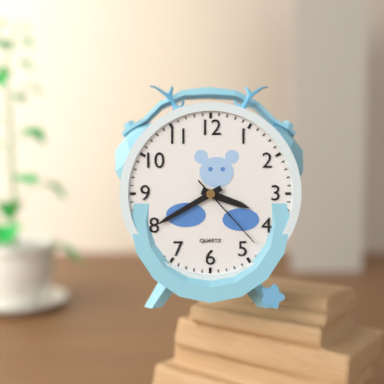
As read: 3.40.23
